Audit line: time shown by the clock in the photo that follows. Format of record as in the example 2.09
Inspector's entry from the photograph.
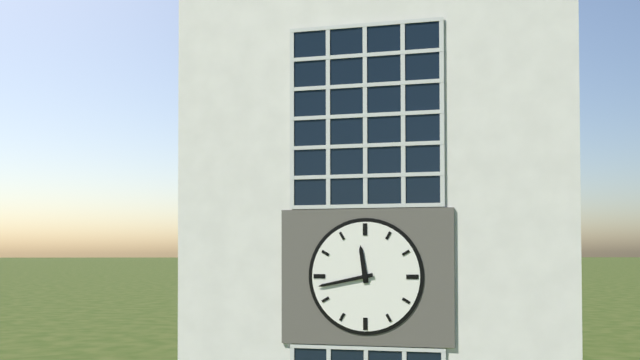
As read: 11.43
